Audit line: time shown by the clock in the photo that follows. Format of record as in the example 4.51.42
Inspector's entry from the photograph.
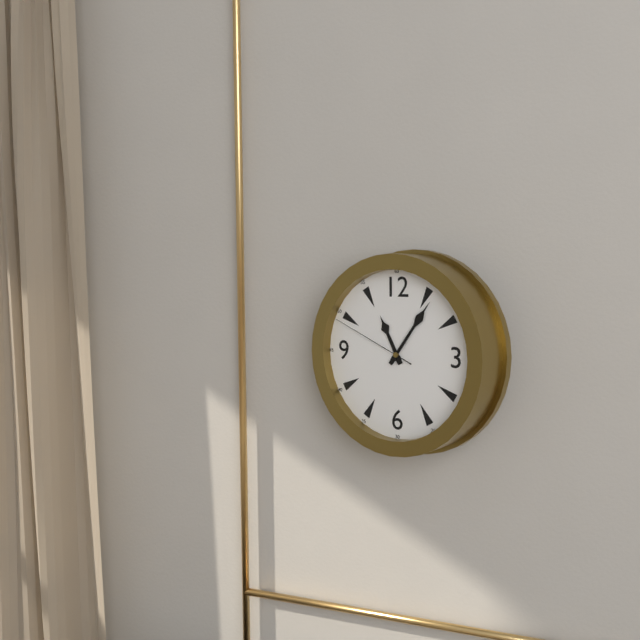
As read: 11.06.49
